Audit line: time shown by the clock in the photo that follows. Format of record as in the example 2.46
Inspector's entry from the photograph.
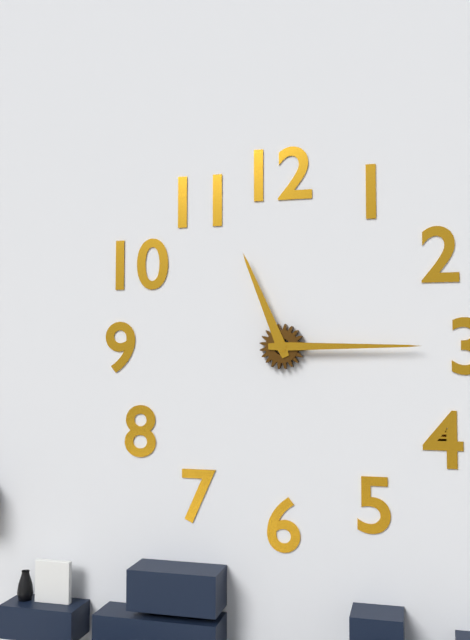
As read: 11.15
